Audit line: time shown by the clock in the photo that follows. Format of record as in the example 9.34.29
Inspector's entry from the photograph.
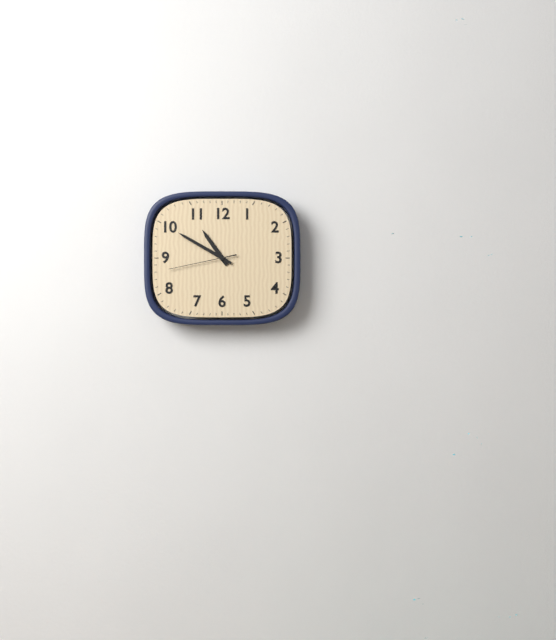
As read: 10.50.43
